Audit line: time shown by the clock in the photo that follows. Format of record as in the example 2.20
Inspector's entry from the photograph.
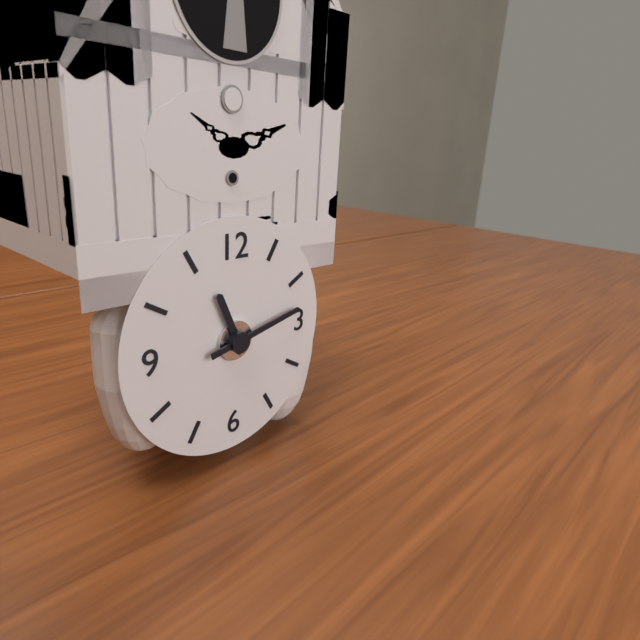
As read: 11.13
